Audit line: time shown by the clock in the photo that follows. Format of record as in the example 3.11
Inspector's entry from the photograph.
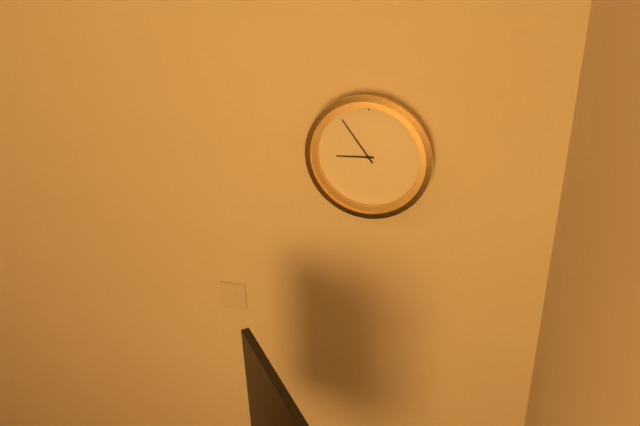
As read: 8.54
